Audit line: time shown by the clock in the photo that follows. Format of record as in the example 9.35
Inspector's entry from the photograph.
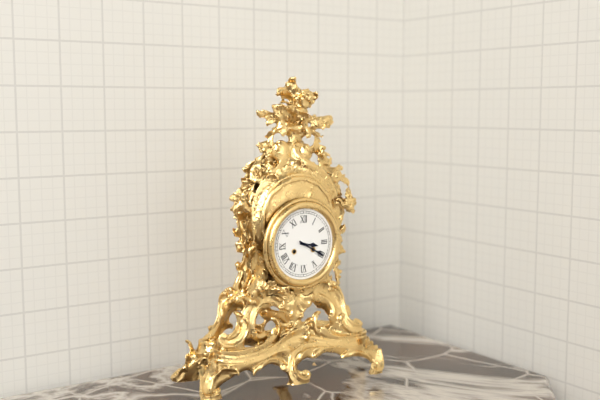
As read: 3.20
